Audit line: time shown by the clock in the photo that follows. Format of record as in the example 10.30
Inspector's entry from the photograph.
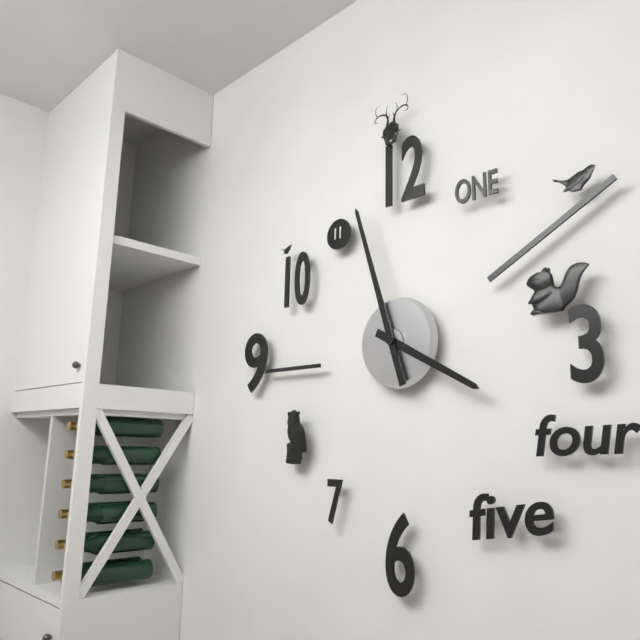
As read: 3.57
